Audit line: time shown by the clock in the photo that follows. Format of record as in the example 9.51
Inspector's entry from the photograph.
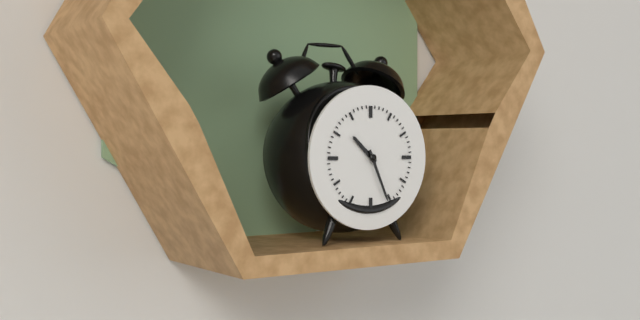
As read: 10.26
